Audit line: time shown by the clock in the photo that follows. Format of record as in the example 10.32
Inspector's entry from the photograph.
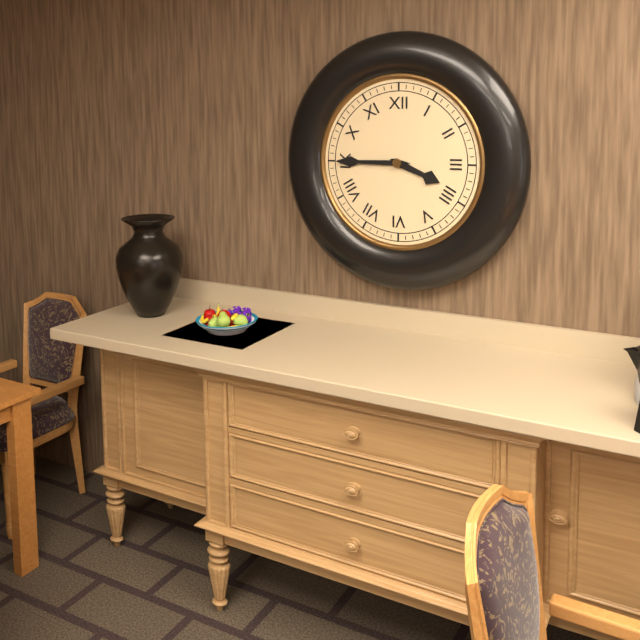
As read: 3.45
